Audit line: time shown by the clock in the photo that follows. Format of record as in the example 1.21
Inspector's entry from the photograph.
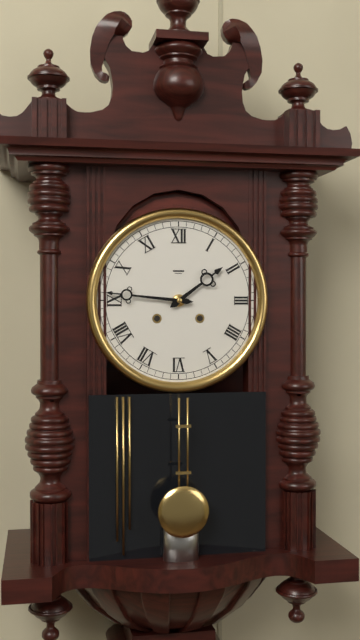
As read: 1.46
